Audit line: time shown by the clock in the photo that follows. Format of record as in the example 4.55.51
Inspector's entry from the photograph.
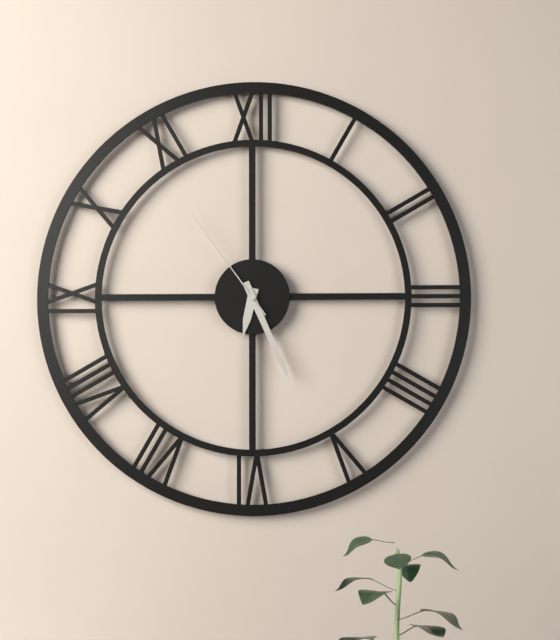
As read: 6.26.54
